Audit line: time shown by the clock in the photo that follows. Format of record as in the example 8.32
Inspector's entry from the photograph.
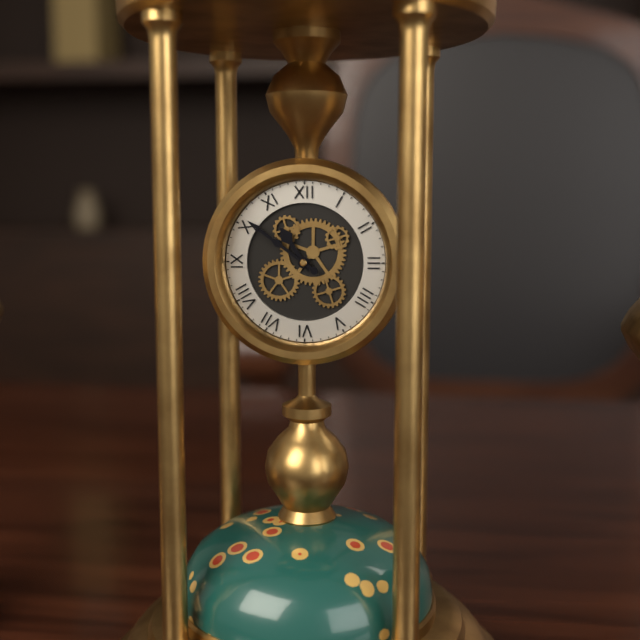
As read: 10.51
